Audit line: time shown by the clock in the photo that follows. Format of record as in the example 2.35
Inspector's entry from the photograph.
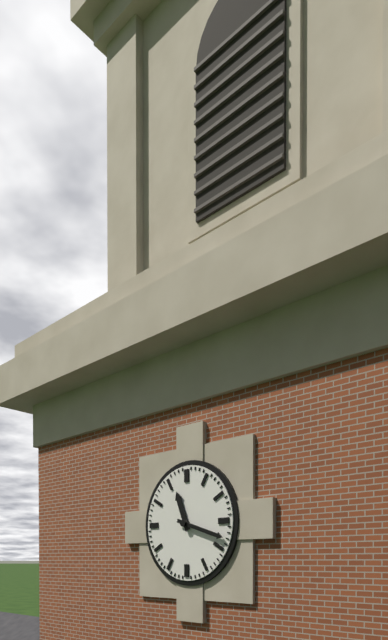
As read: 11.18
